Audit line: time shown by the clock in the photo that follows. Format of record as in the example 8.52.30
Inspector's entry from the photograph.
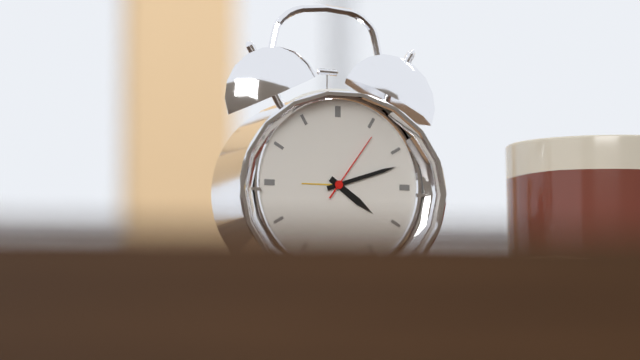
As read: 4.12.06
